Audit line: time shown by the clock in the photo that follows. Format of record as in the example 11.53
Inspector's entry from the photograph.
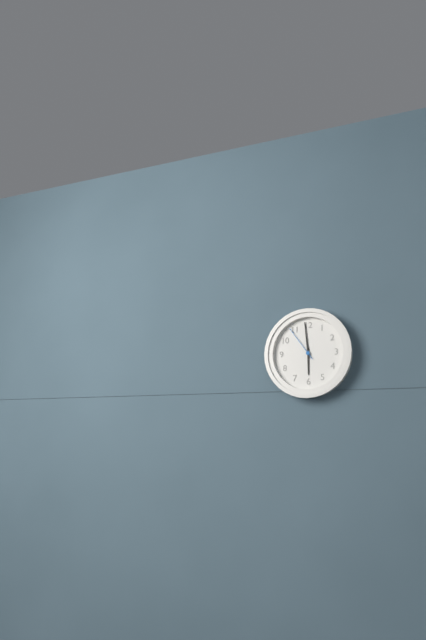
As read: 5.59
